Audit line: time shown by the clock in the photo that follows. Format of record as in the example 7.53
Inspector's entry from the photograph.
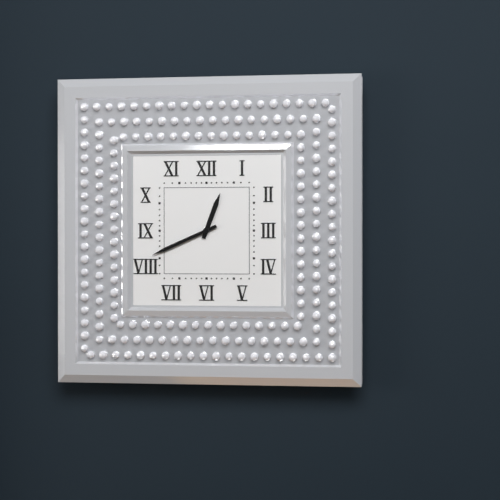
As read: 12.41
